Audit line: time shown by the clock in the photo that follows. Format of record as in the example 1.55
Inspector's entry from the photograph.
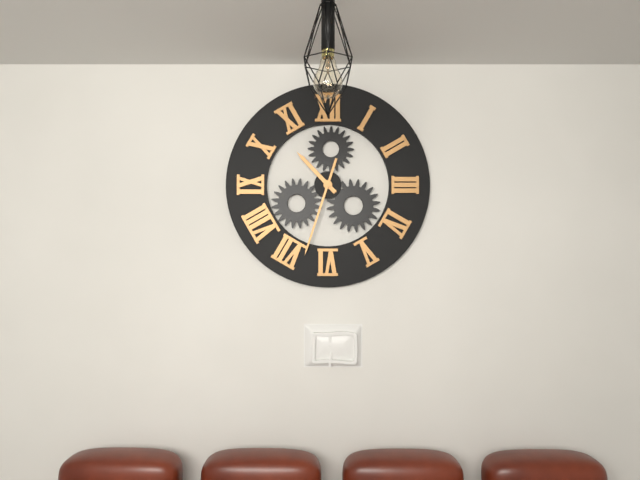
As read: 10.33
